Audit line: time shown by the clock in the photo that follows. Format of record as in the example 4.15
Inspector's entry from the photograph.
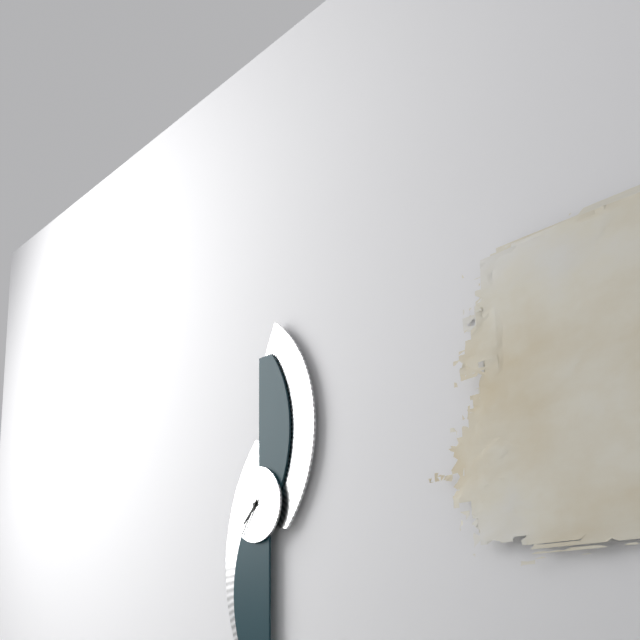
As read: 7.36
